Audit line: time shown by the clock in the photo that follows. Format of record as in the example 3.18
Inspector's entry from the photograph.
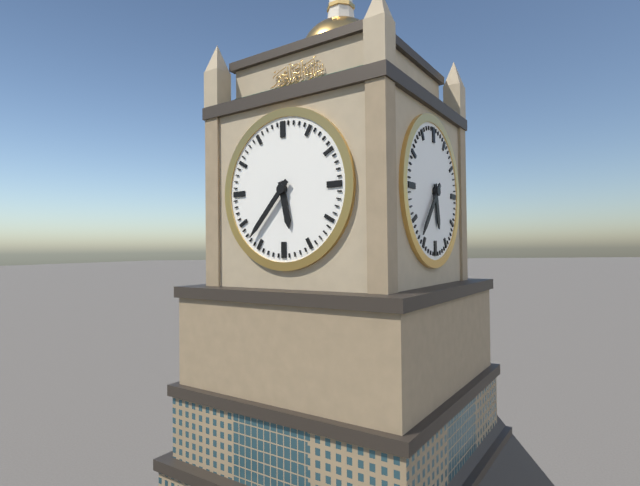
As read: 5.37
